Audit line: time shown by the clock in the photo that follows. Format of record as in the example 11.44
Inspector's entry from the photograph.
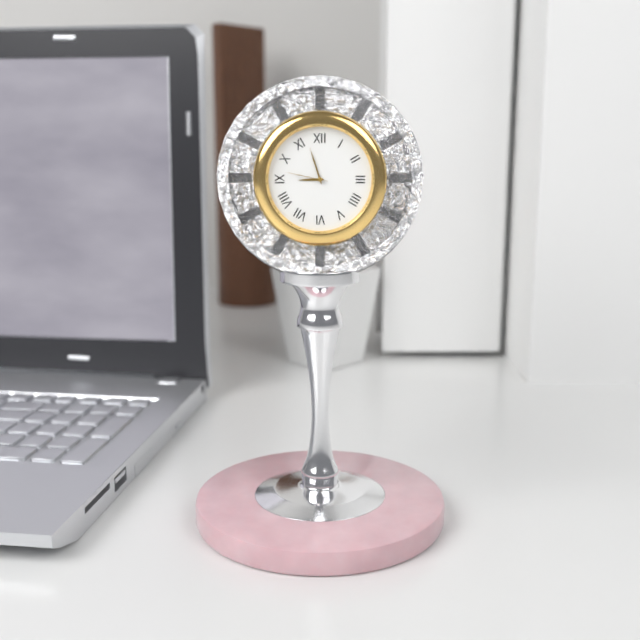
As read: 8.57
